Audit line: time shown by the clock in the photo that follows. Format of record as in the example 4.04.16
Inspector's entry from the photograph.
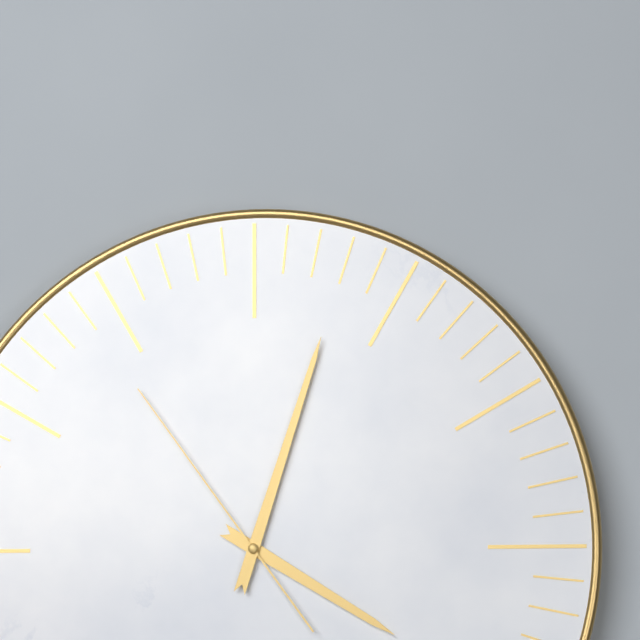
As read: 4.03.54
